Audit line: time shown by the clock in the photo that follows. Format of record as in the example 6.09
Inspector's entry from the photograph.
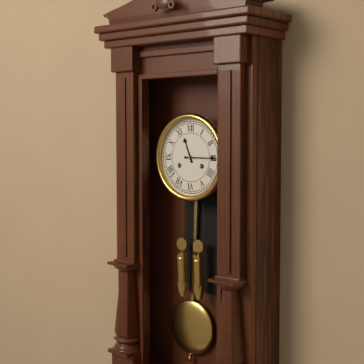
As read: 11.15
